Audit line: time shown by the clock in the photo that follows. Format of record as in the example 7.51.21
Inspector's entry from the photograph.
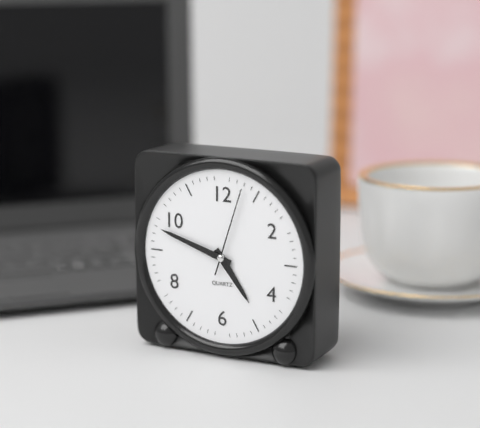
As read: 4.48.03
